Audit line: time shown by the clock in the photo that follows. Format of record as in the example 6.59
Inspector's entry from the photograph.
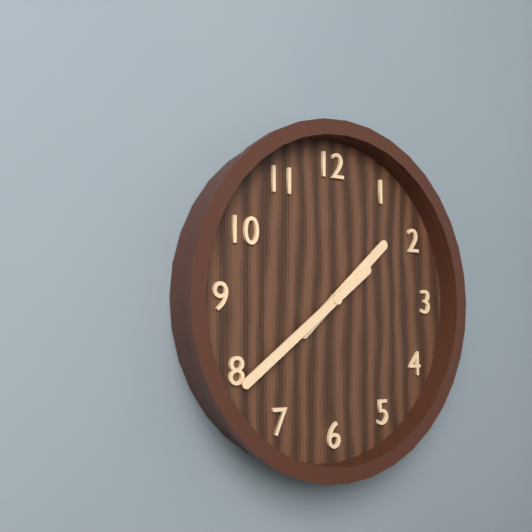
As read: 1.39
